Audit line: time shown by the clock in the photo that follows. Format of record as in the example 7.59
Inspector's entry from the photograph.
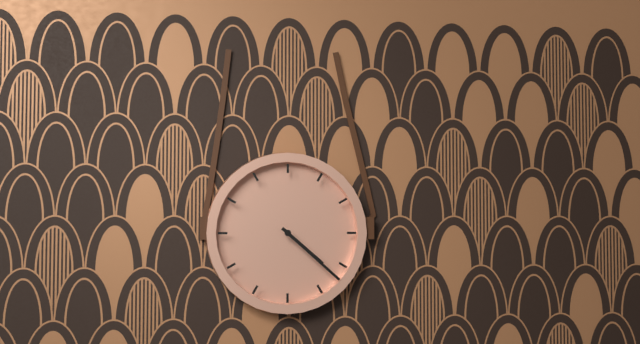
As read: 4.22
